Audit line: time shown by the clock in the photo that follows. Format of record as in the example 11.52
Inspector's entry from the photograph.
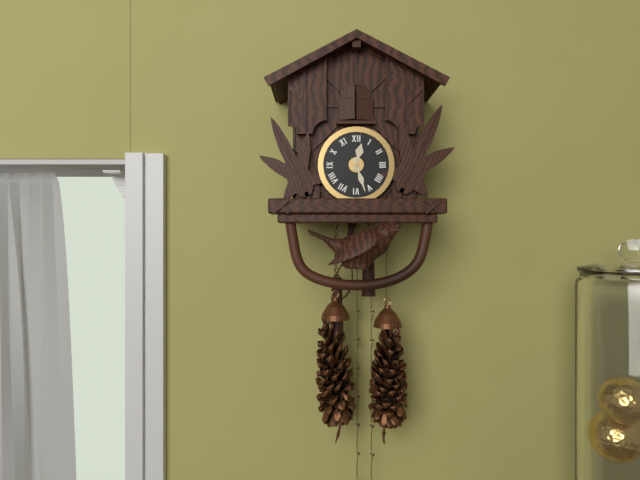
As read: 12.27
